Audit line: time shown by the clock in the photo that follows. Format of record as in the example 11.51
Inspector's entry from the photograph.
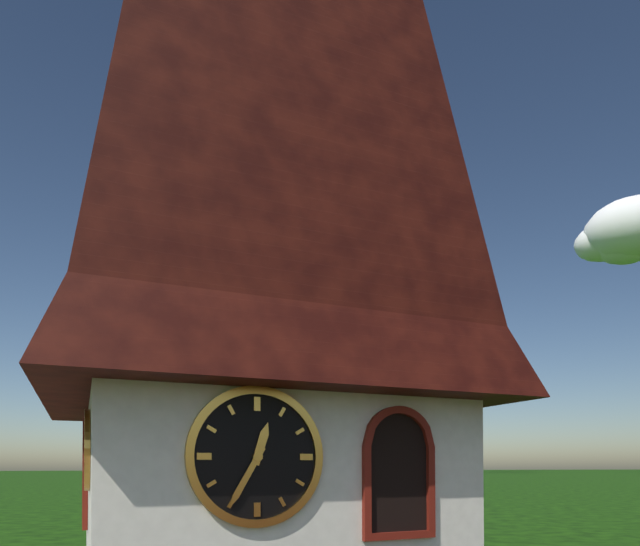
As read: 12.35
